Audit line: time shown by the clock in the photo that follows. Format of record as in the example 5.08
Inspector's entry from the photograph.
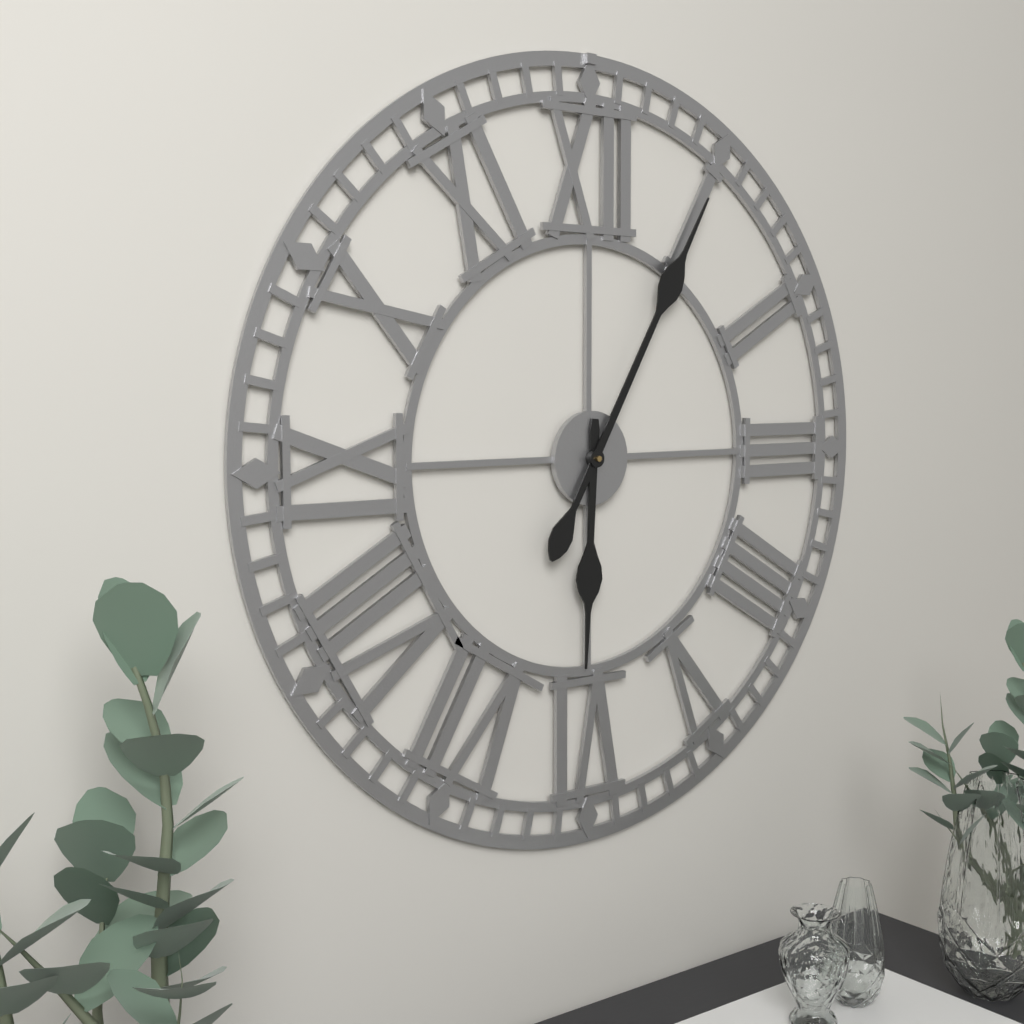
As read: 6.05
